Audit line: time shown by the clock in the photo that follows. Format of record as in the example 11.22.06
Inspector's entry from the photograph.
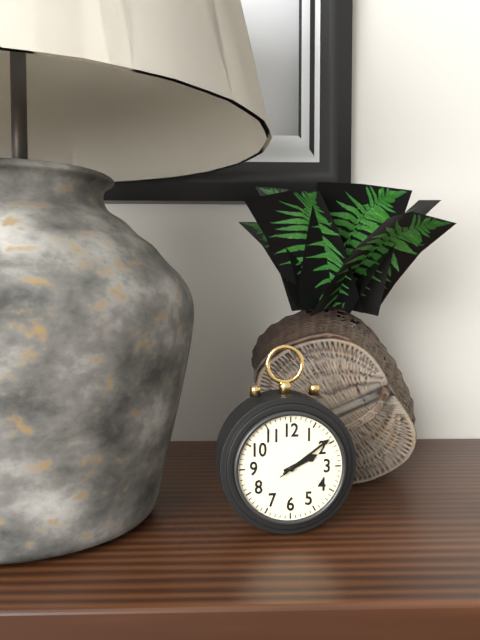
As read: 2.09.09
